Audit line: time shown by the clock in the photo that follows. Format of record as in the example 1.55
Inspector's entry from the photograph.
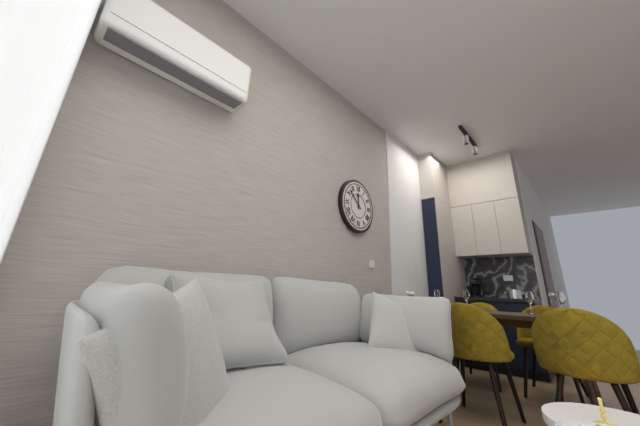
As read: 11.52
